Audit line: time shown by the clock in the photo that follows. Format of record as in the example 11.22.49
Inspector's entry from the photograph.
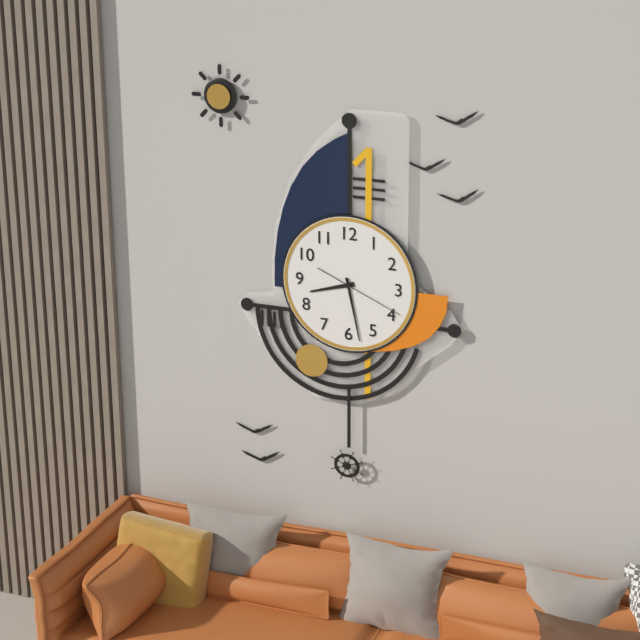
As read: 8.28.19
